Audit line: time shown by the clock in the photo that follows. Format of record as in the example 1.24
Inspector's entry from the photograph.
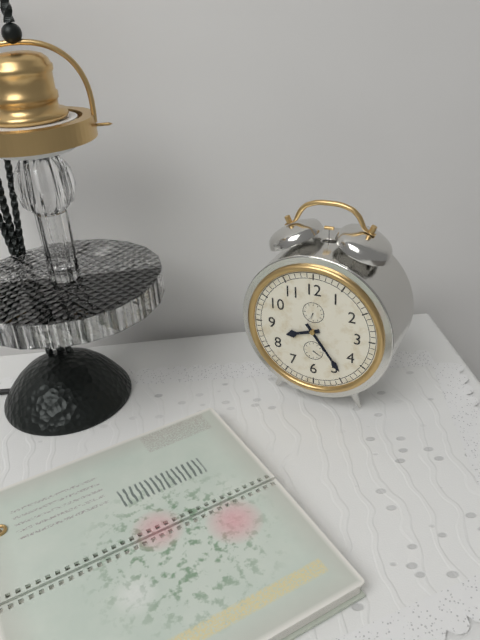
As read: 8.24
